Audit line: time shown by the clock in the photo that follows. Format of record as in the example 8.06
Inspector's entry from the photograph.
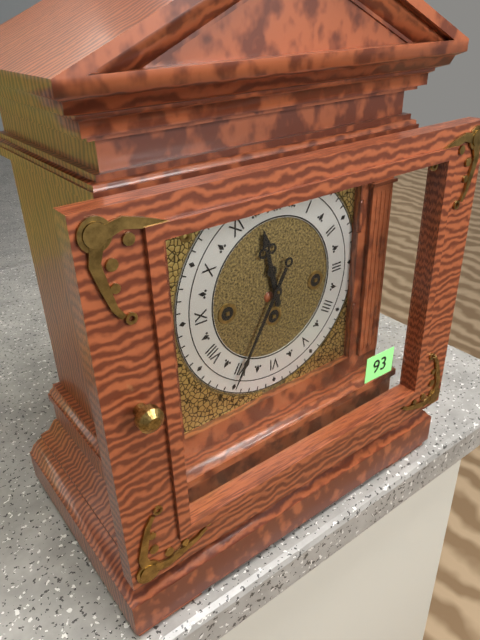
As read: 11.35
